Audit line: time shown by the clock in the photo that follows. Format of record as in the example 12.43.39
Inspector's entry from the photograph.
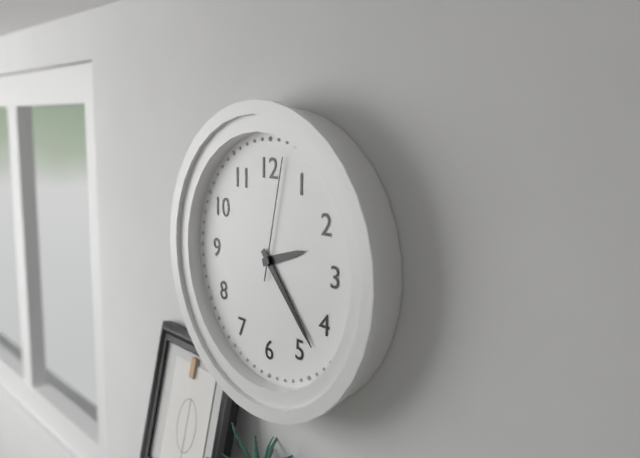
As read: 2.23.02
